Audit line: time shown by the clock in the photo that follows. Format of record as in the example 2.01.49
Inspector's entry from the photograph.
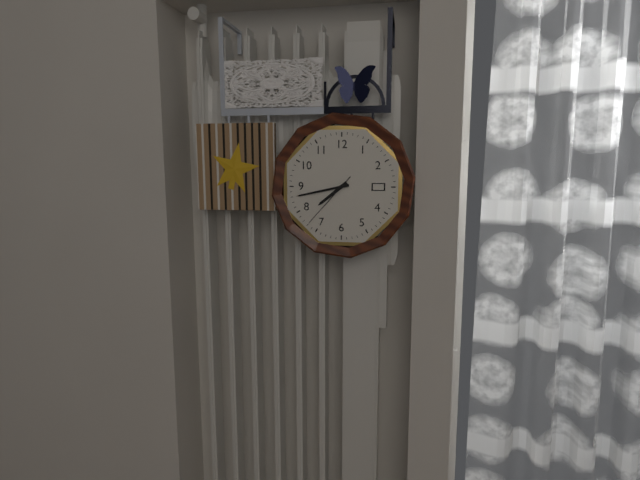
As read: 7.43.37
